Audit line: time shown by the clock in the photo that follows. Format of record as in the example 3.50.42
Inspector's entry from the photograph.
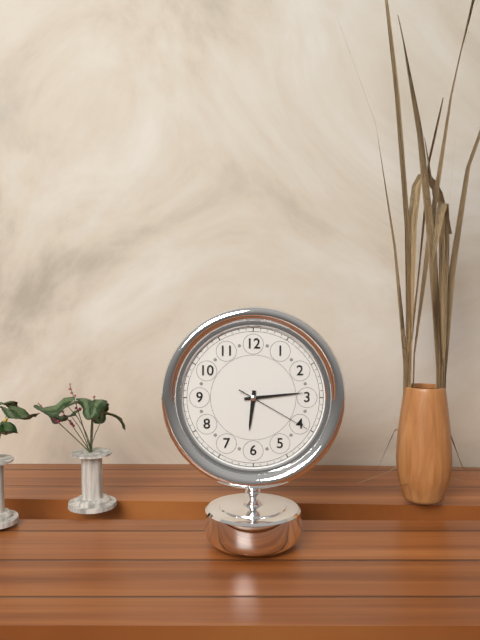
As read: 6.14.20
